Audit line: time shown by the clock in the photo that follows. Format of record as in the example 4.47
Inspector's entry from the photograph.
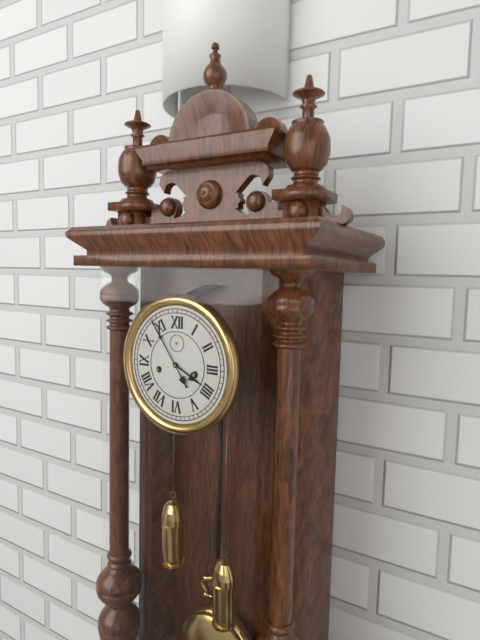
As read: 3.54
